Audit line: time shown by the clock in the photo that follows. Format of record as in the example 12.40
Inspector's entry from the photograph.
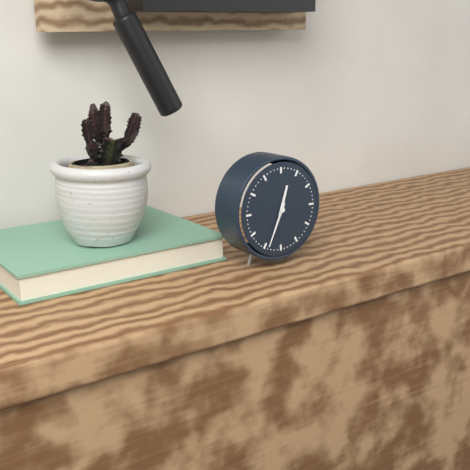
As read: 12.34
